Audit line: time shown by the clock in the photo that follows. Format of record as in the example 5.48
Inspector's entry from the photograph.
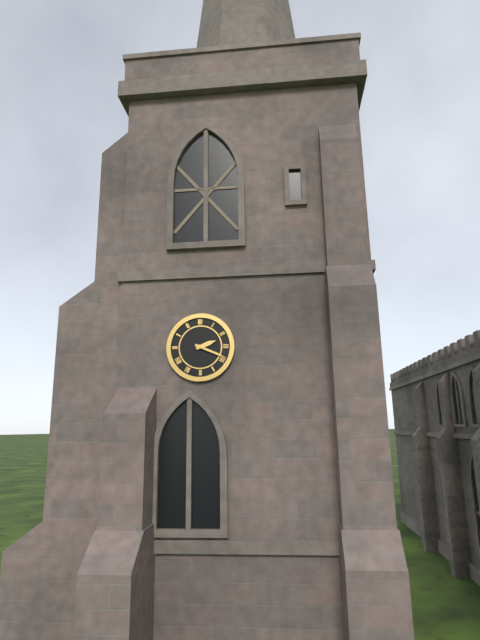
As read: 2.19
